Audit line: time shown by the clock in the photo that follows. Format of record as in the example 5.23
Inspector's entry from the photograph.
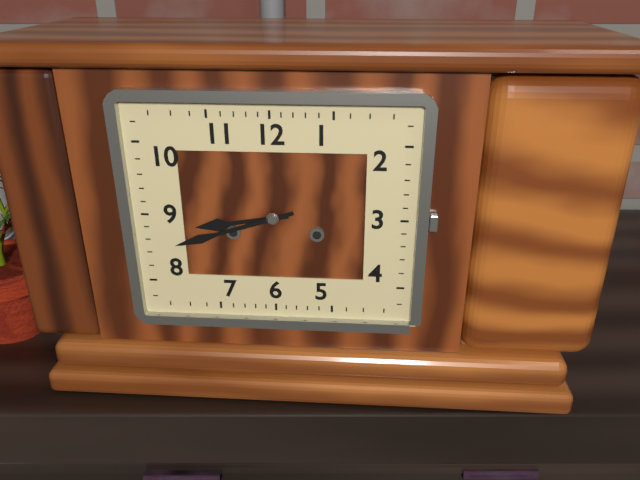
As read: 8.42
